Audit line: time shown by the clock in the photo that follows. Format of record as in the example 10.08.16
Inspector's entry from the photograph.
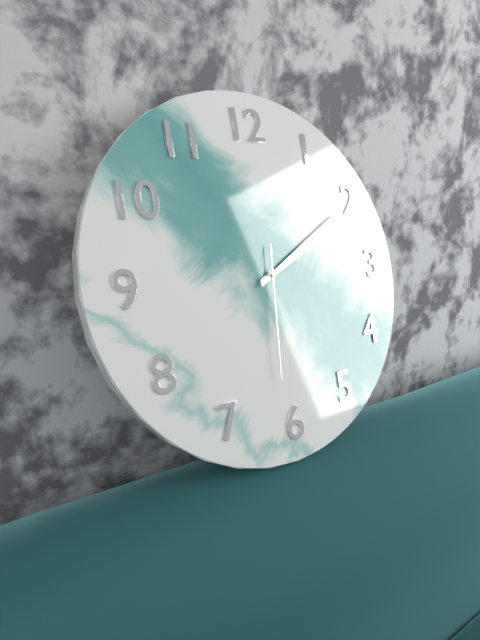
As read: 2.10.31
